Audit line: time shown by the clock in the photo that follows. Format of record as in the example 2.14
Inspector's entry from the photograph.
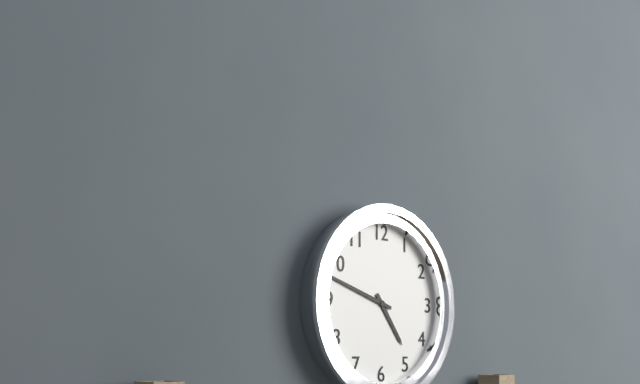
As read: 4.48
